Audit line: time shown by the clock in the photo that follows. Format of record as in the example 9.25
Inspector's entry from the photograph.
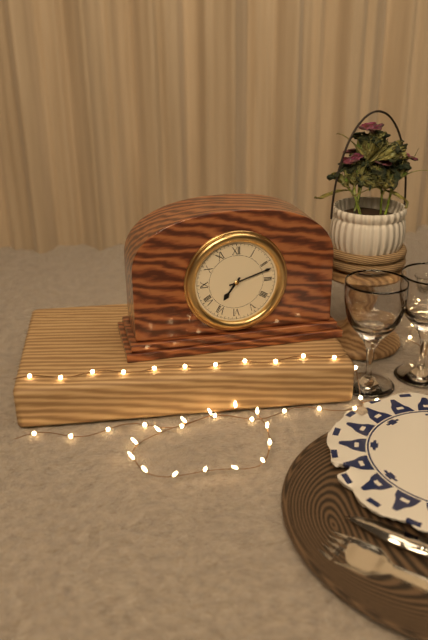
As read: 7.12
